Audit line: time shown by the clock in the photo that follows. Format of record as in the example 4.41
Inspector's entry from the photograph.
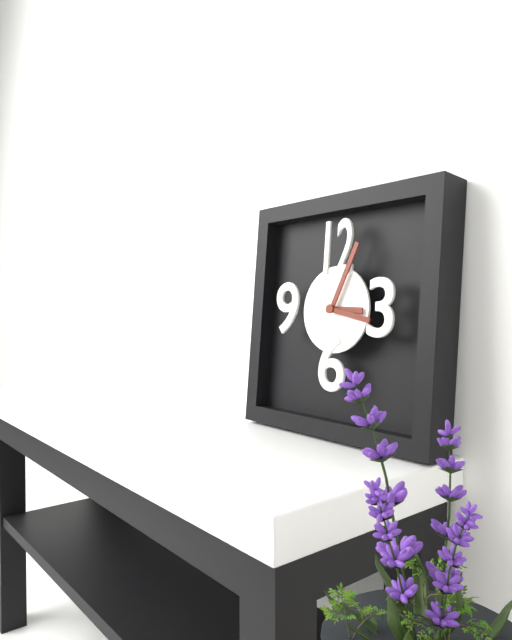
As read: 3.04
